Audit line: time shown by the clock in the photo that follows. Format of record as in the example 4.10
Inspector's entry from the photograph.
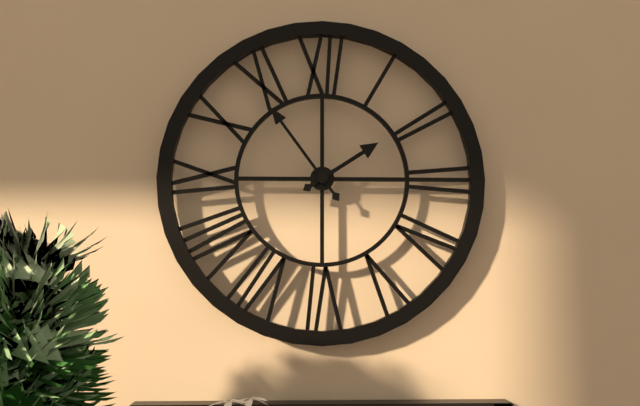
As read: 1.54
